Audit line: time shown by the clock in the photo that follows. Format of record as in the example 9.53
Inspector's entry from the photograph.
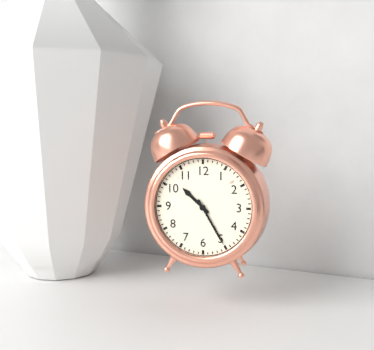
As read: 10.25
